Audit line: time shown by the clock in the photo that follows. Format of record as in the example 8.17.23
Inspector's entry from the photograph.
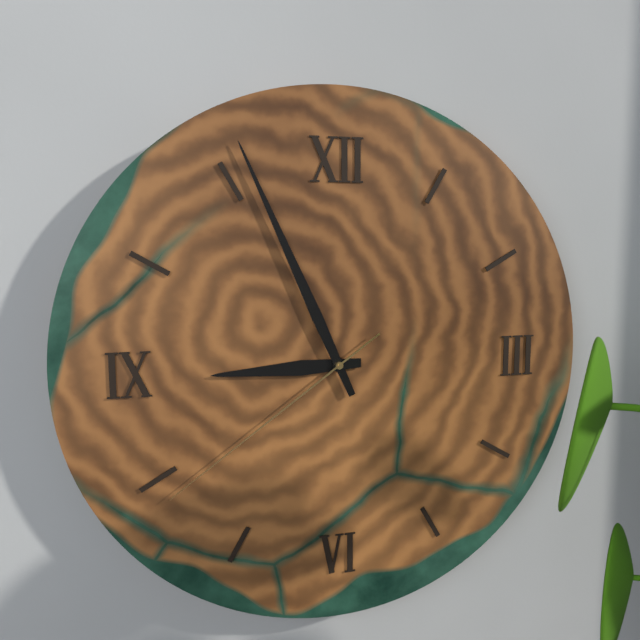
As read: 8.56.39
